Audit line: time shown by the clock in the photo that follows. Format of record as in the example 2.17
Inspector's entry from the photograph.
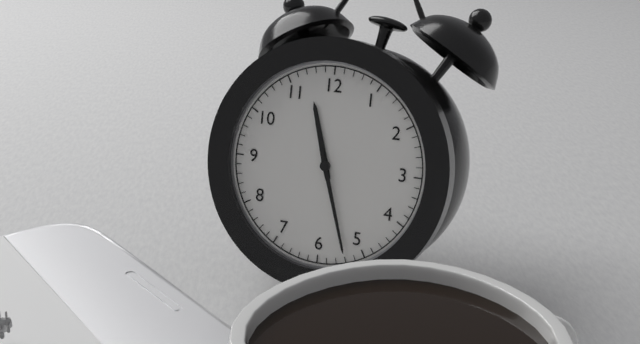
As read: 11.27
